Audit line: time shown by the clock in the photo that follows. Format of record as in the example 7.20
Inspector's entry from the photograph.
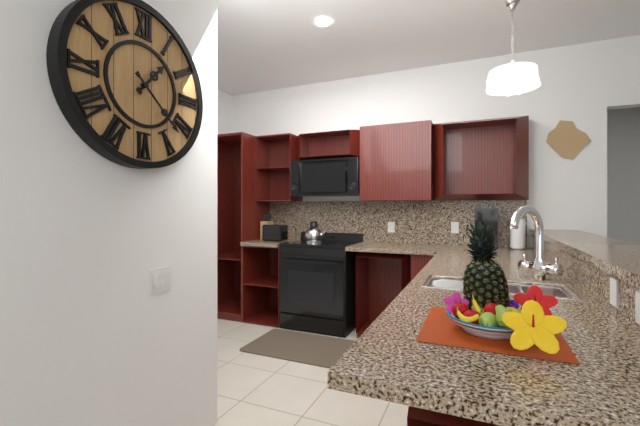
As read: 1.22
